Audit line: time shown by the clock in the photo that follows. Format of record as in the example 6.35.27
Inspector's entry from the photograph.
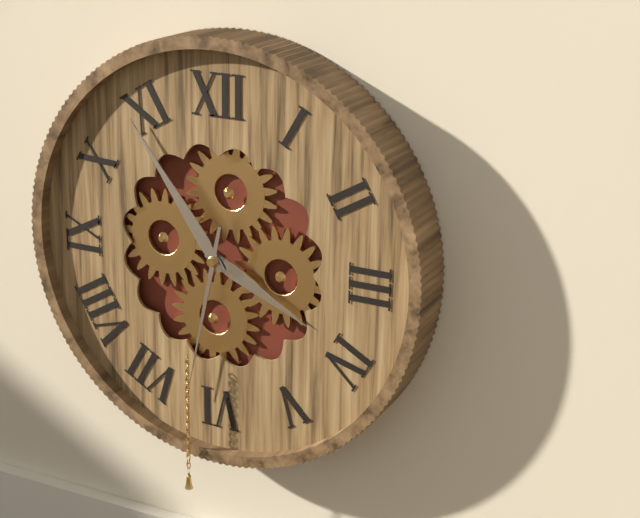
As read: 3.54.32
